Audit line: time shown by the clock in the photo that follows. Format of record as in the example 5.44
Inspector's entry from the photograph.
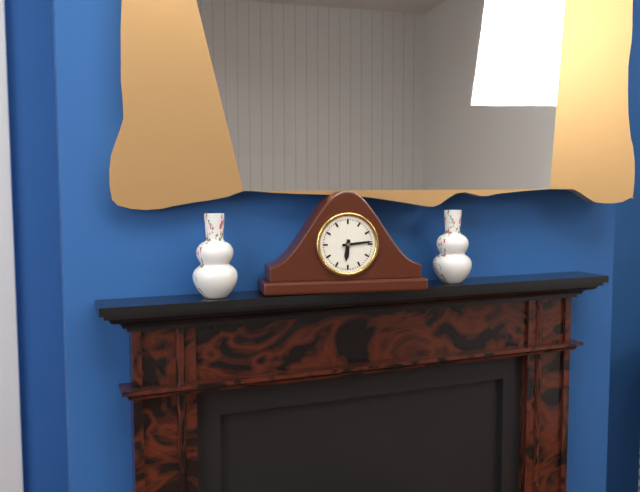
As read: 6.14
